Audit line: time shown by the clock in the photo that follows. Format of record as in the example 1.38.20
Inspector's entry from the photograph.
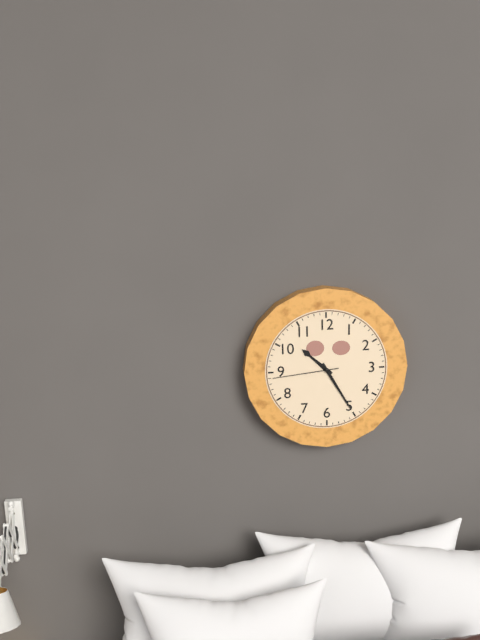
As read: 10.25.44
